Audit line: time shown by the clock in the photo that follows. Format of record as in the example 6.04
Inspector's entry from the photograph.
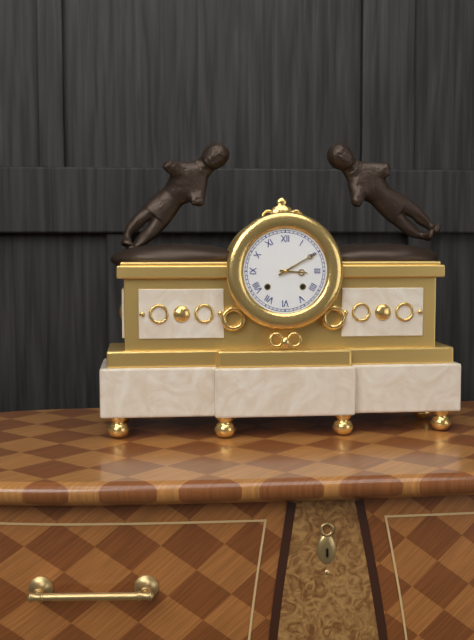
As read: 3.10
